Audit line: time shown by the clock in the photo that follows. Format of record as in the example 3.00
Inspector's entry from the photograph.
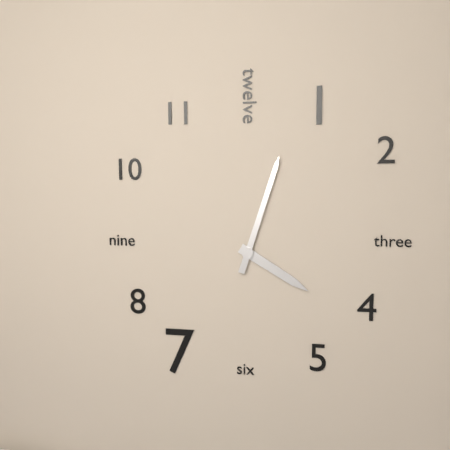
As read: 4.03
